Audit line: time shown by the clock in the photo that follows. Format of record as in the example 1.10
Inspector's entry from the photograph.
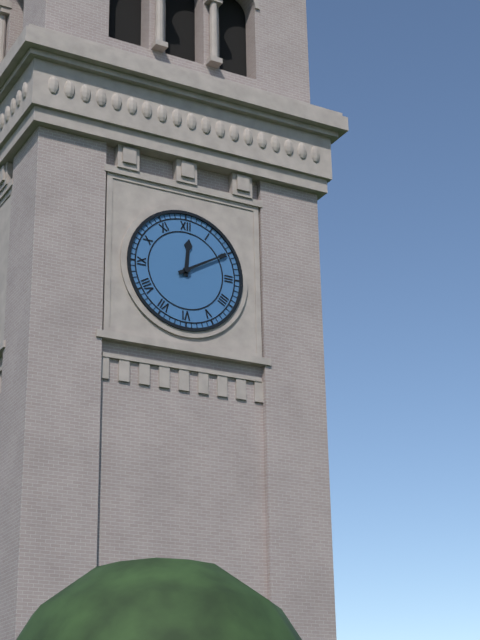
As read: 12.10
